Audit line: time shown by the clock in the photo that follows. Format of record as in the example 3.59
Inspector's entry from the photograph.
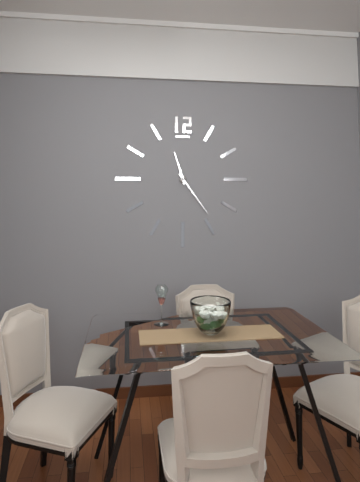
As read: 11.24
